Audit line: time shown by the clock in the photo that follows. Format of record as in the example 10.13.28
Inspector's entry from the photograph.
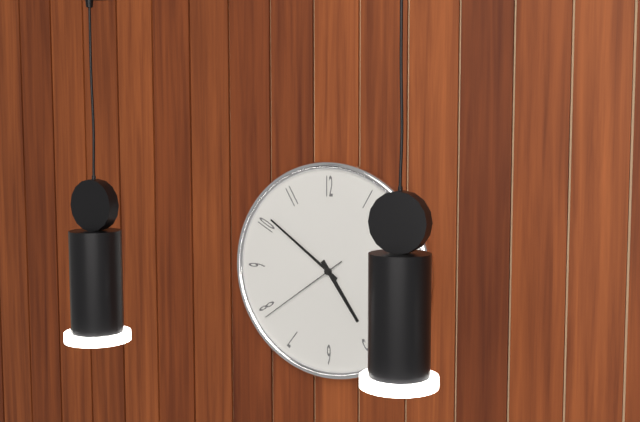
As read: 4.51.39
